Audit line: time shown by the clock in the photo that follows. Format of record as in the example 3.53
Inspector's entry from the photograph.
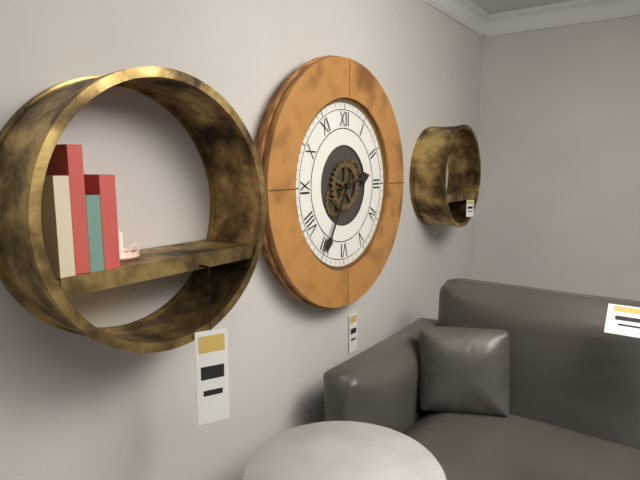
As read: 2.35
